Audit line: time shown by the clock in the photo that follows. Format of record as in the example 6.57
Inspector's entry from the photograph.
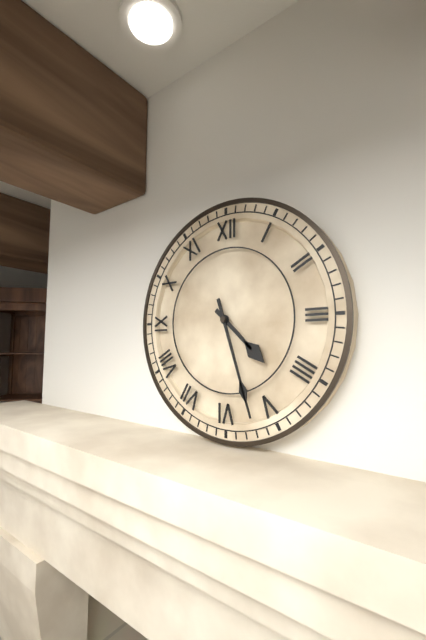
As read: 4.27
